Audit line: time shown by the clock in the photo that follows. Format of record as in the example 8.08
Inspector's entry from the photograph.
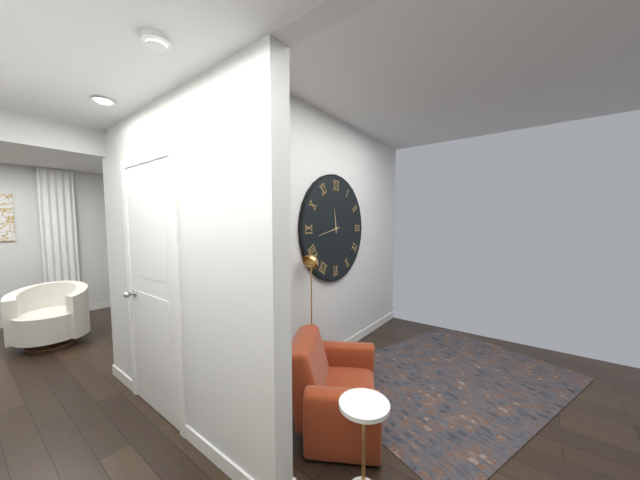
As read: 11.43
